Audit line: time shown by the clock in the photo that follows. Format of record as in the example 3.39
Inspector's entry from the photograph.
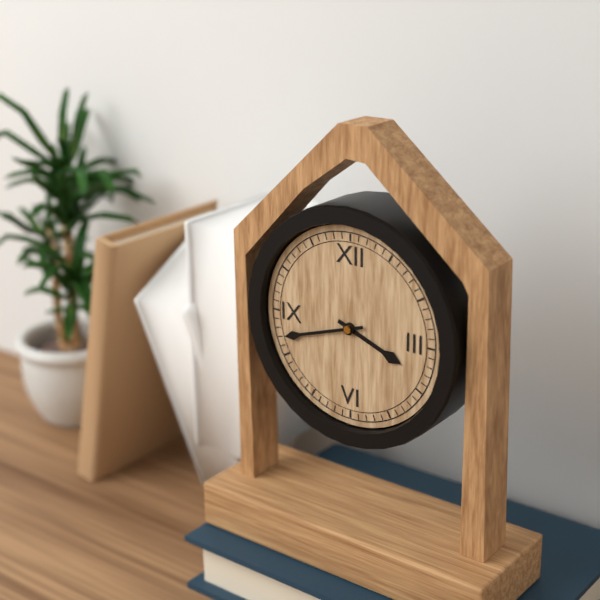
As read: 3.42
